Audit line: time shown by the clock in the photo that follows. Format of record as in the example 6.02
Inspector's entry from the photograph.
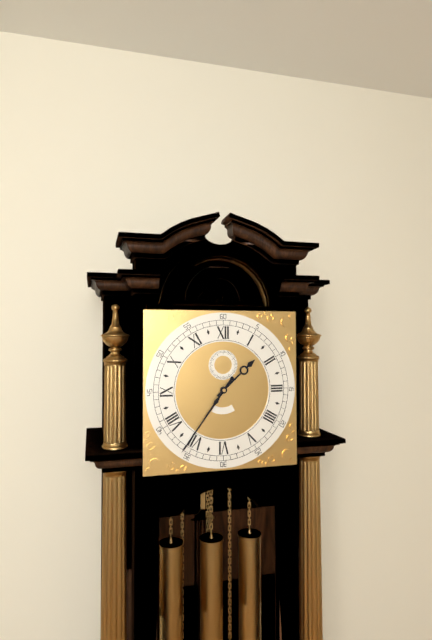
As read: 1.36
